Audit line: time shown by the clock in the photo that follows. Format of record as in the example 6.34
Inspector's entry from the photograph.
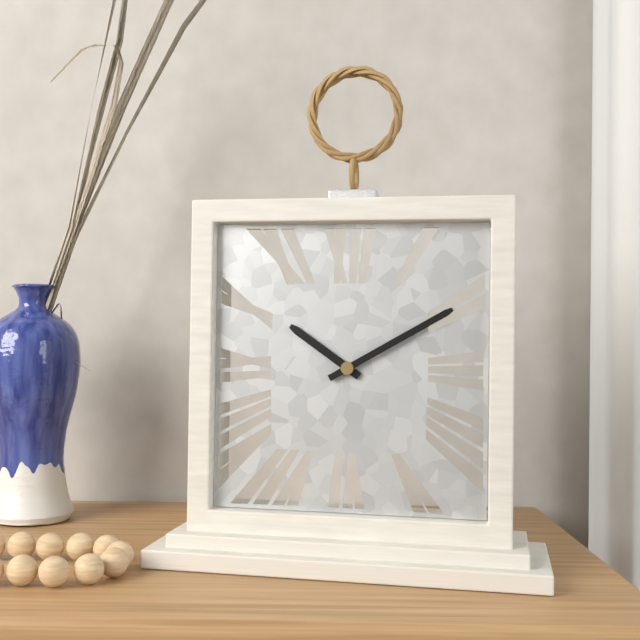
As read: 10.10
